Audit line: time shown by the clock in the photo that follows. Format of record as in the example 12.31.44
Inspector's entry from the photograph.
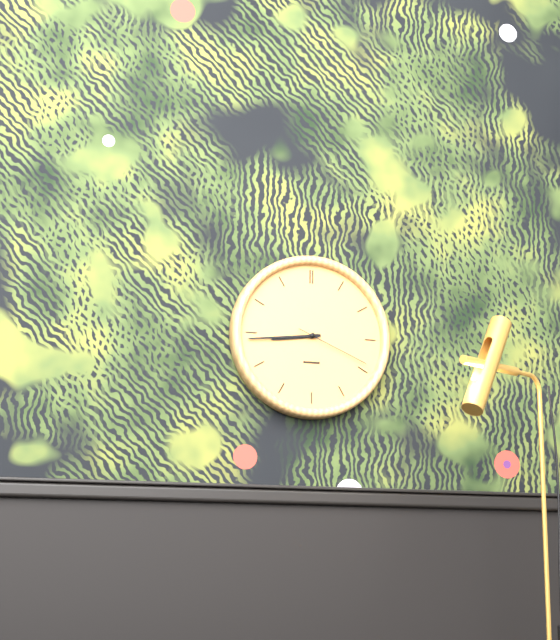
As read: 8.44.19
